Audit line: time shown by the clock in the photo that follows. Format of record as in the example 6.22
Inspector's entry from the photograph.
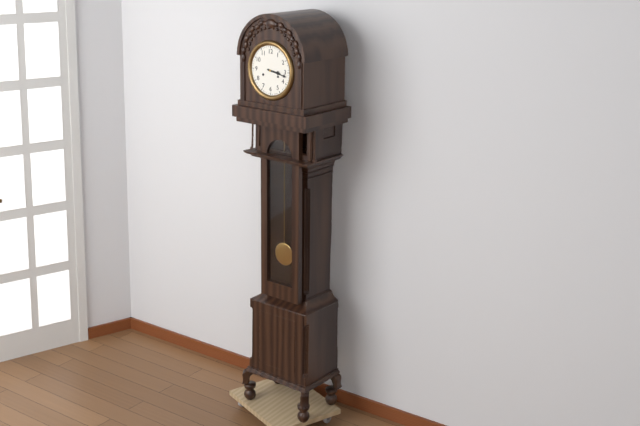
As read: 3.17
